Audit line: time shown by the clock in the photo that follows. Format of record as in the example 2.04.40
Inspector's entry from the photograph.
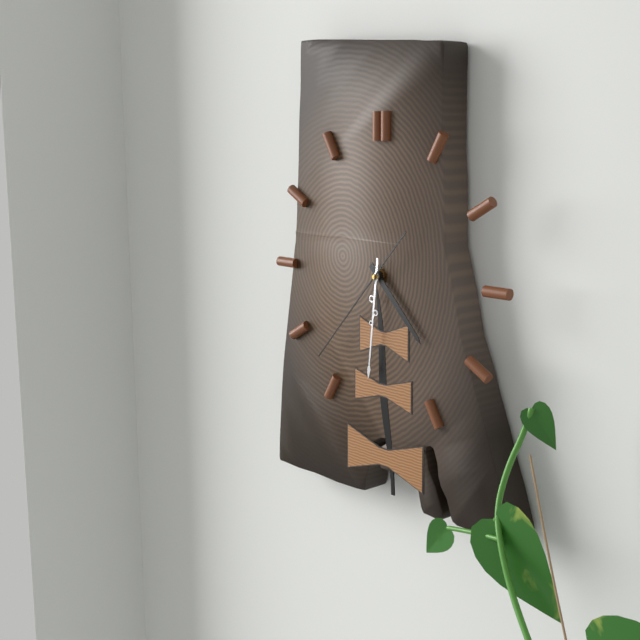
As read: 4.31.37
